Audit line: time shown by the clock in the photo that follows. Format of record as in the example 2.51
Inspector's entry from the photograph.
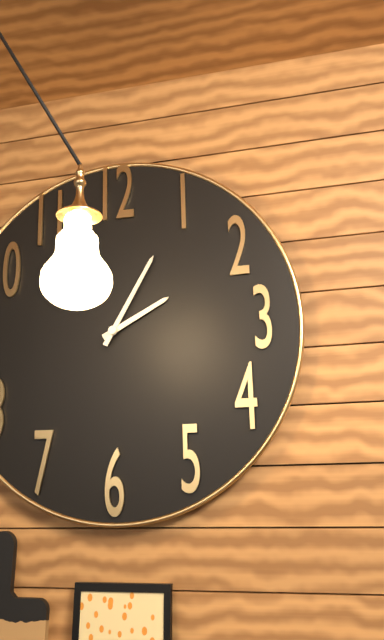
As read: 2.05
